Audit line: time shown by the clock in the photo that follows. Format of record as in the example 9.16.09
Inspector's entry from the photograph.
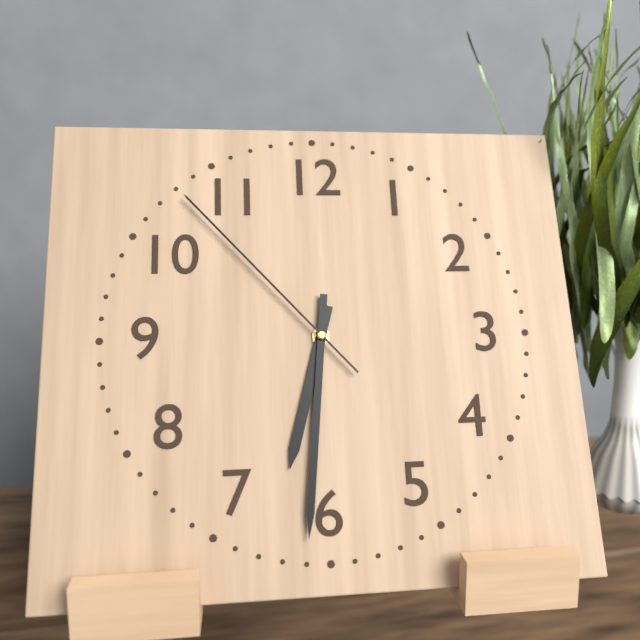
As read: 6.31.53
